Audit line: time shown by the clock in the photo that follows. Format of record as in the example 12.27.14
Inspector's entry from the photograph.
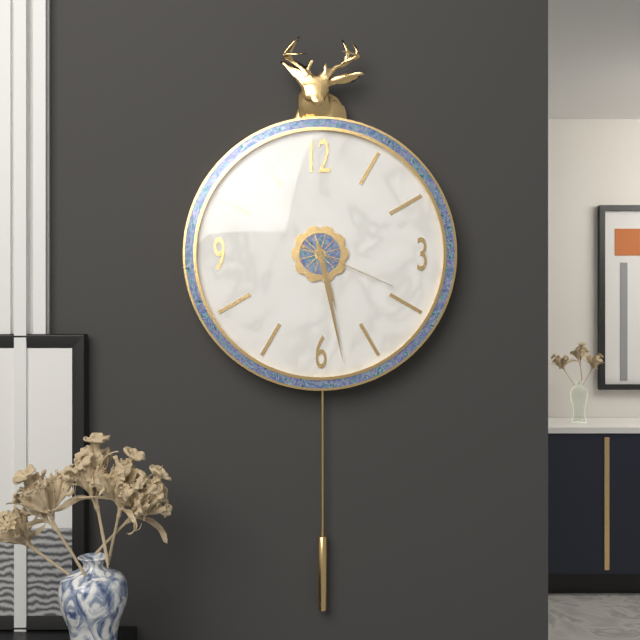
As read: 5.28.19
